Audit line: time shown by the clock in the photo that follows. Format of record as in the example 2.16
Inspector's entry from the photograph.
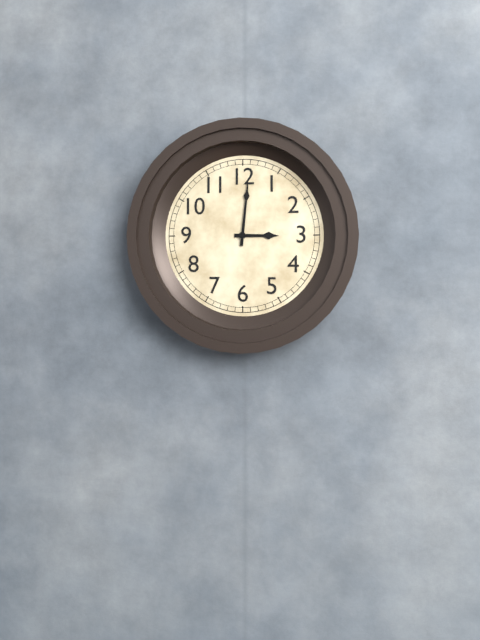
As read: 3.01
